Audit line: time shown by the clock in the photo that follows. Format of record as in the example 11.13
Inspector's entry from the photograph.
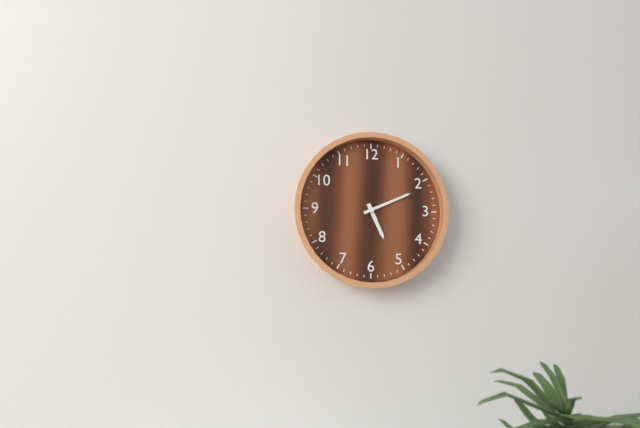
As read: 5.11
